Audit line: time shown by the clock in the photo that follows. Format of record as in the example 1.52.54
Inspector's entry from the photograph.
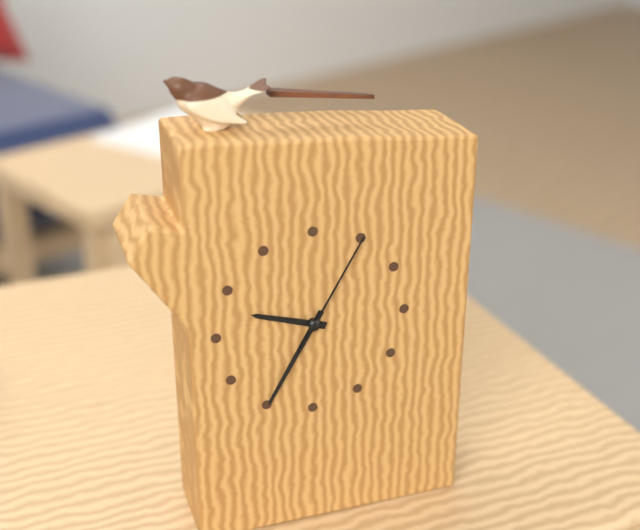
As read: 9.35.05
